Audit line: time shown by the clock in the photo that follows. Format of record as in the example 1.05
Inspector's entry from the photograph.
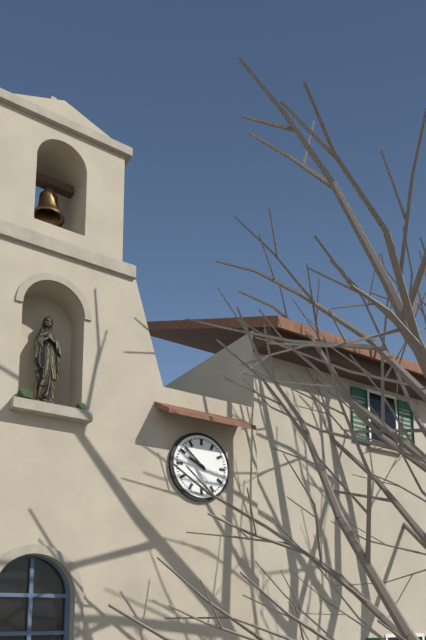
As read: 9.52
